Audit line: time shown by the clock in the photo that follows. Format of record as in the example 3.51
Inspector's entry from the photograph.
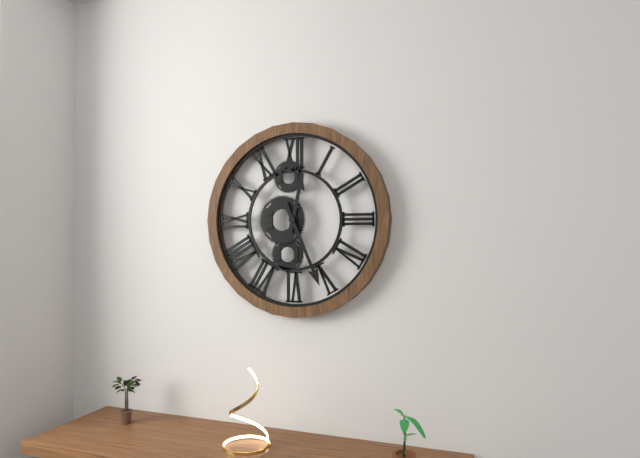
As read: 12.26
